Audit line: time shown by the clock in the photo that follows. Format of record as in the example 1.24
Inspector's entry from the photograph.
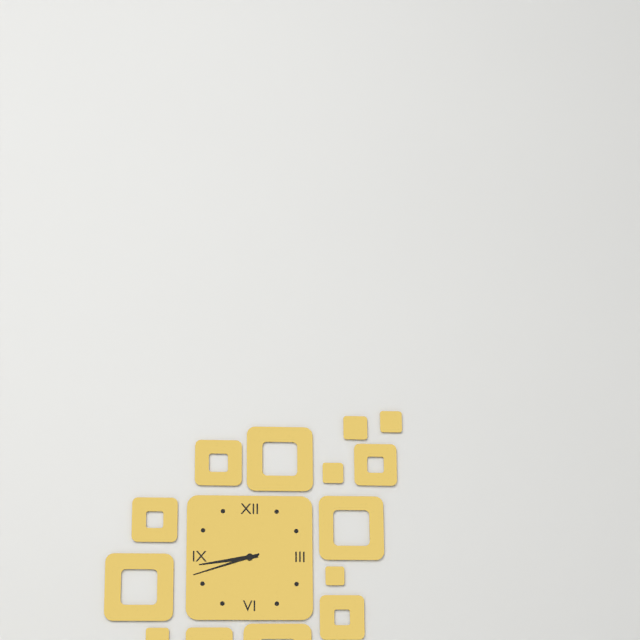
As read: 8.42
